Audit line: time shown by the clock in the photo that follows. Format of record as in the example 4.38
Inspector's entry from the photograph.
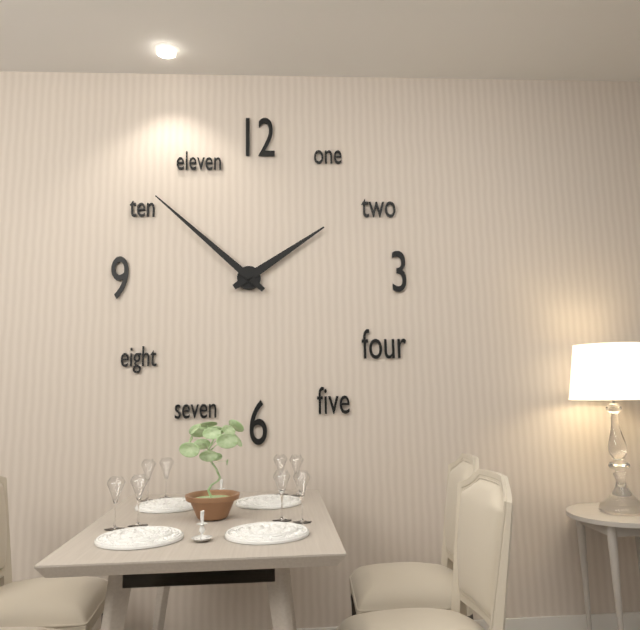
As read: 1.52
